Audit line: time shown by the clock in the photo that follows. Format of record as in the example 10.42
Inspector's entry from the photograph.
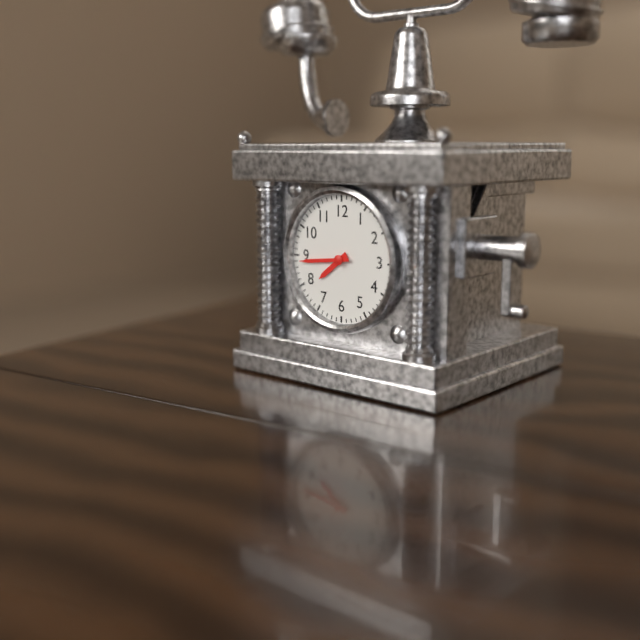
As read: 7.44
